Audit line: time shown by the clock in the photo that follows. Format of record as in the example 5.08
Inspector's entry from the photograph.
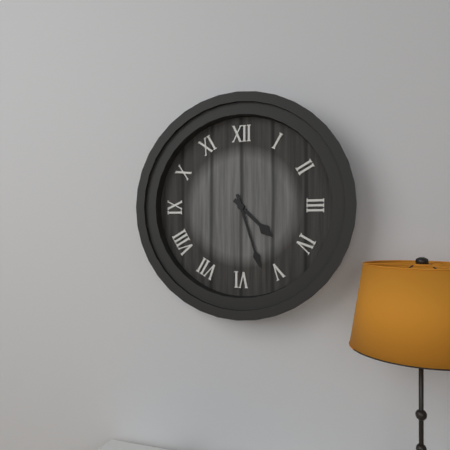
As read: 4.27
